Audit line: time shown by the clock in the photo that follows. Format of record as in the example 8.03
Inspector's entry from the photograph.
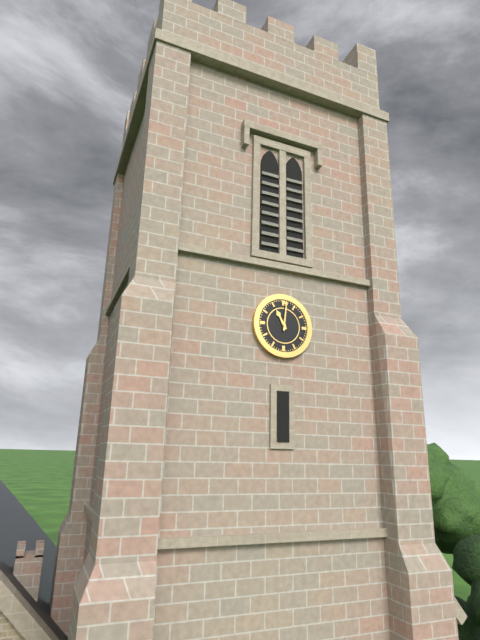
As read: 11.01
